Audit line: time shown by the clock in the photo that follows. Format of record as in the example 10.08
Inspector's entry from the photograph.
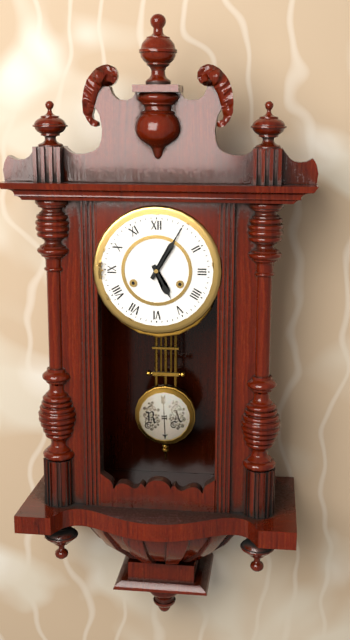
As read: 5.05
